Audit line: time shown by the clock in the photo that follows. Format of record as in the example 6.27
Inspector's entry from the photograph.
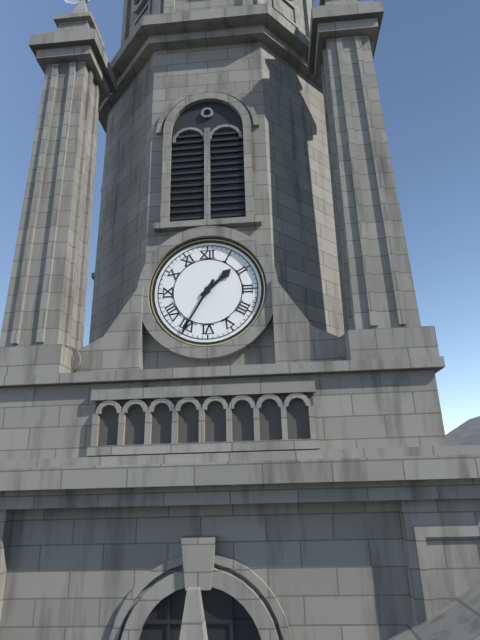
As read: 1.35
